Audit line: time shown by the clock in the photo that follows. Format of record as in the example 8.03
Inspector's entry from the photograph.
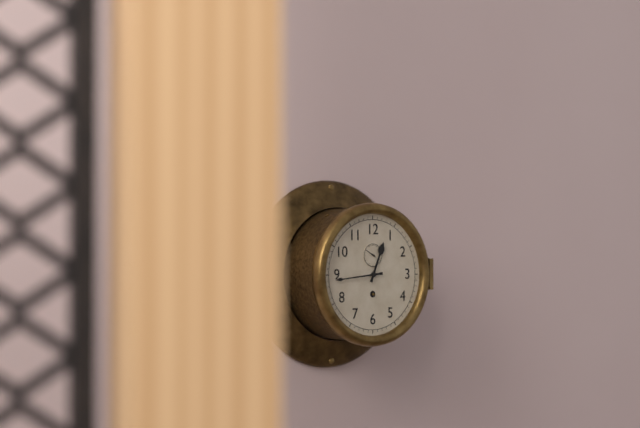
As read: 12.44
